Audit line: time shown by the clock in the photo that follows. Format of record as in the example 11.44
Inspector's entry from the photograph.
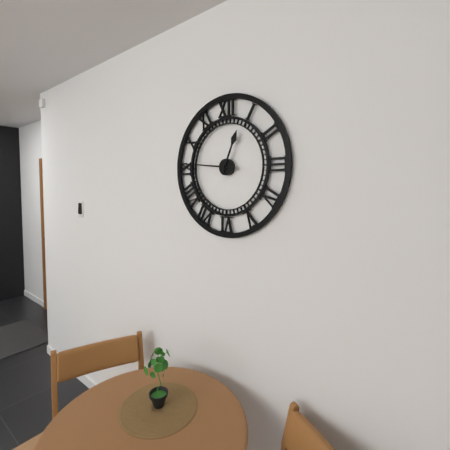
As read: 12.46
